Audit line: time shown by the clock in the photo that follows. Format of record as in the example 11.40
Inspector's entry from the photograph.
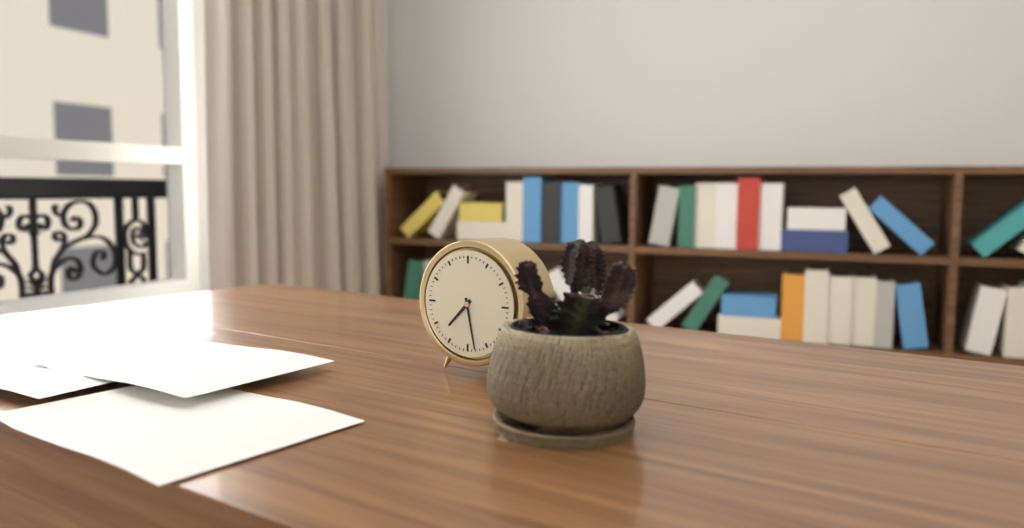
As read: 7.28
